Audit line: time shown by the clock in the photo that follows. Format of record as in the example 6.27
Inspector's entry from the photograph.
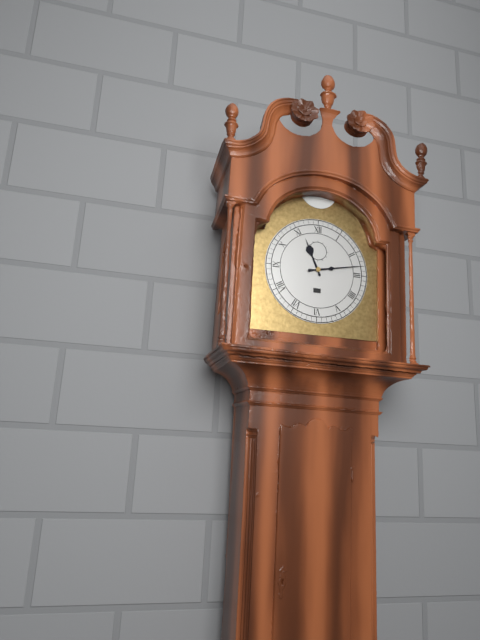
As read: 11.13
